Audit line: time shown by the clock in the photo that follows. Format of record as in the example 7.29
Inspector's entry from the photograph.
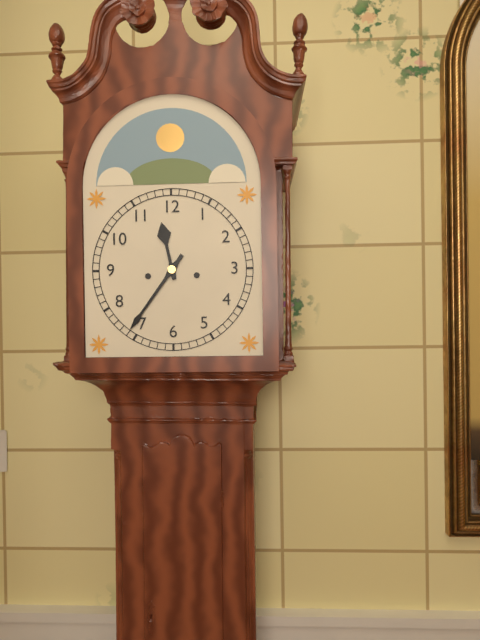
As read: 11.36
